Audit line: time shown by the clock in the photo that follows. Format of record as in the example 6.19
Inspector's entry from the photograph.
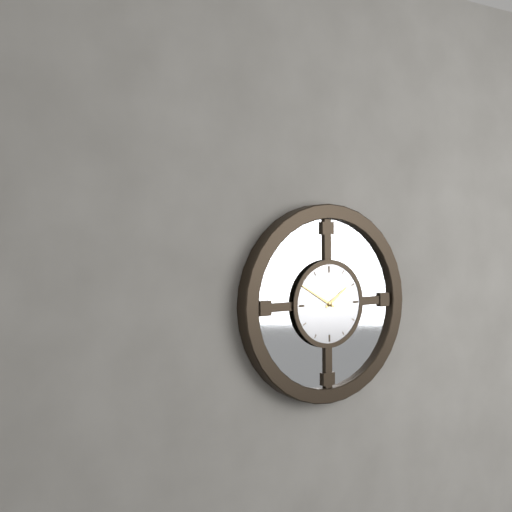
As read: 1.50
